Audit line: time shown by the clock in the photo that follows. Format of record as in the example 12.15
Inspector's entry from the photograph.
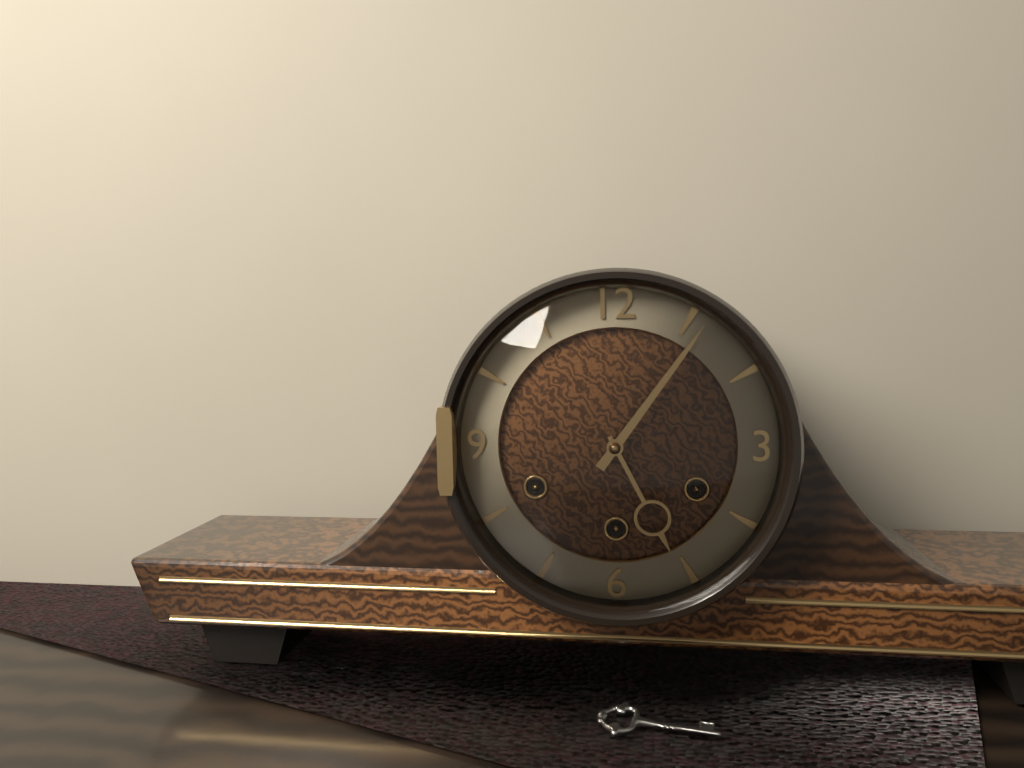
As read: 5.06
